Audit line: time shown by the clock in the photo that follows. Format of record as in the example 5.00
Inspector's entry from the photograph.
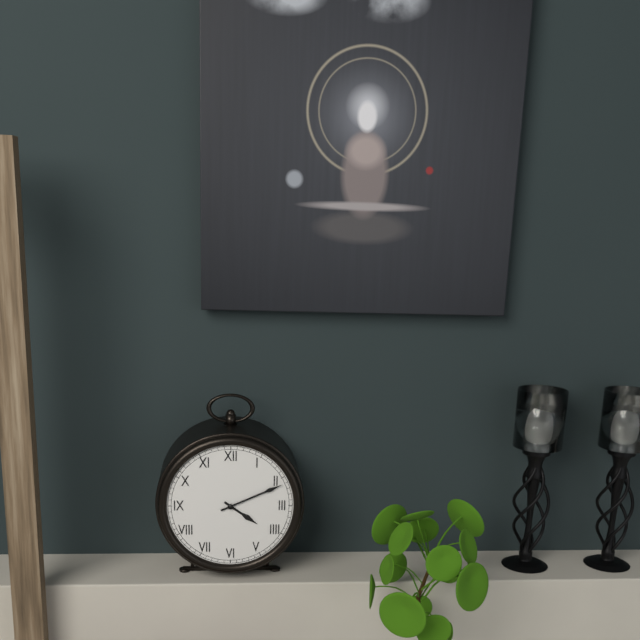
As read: 4.11
